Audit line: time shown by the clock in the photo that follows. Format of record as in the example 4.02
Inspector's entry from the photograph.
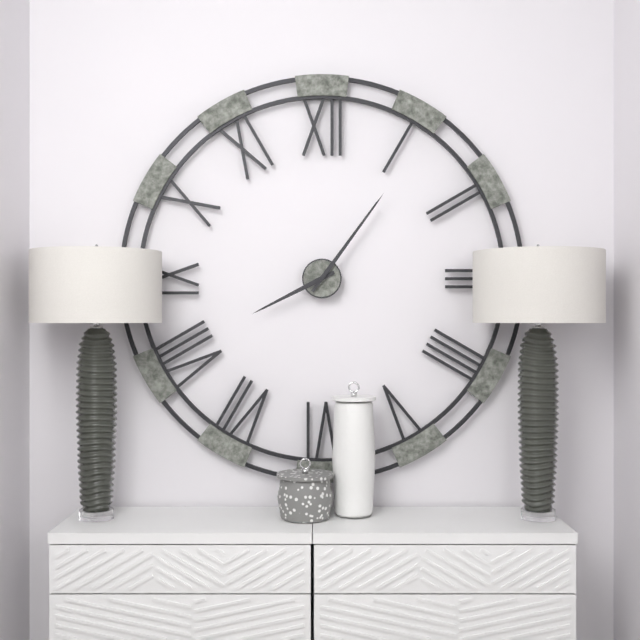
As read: 8.06
